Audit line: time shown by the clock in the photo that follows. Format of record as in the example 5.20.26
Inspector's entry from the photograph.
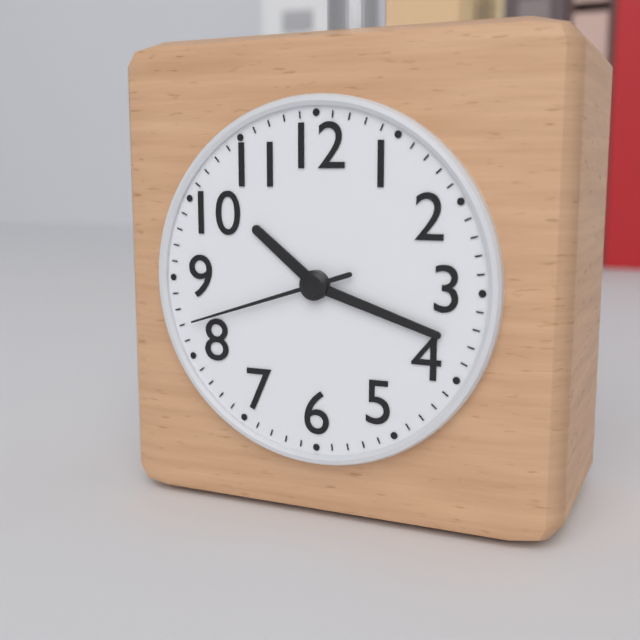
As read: 10.18.42
